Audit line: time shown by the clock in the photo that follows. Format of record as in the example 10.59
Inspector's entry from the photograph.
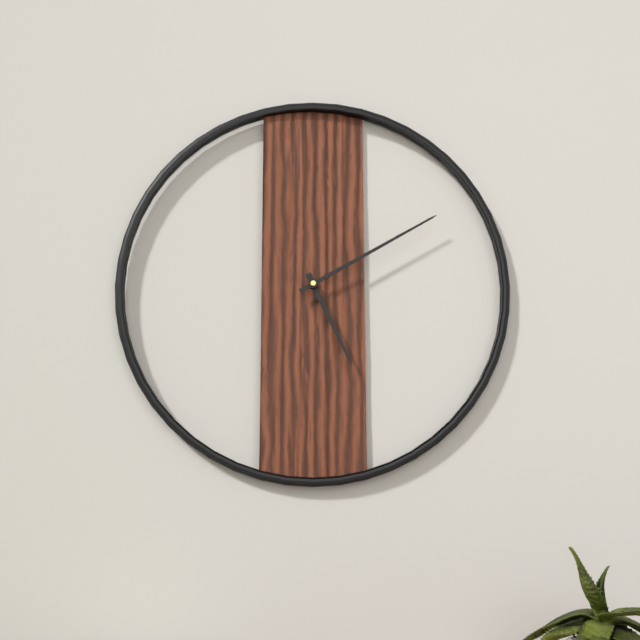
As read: 5.10
